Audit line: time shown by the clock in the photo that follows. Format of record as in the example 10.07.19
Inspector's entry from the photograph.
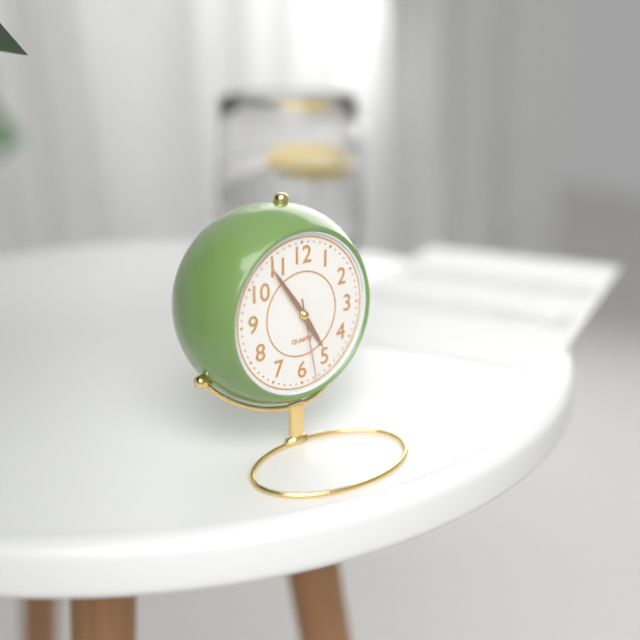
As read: 4.54.28
